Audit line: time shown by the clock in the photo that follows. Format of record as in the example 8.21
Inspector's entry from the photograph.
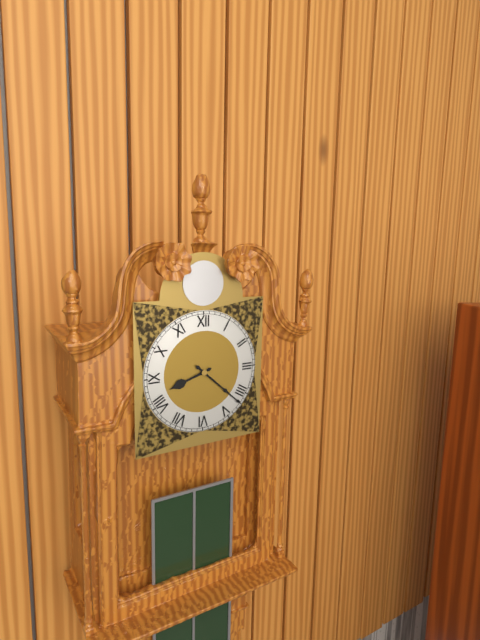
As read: 8.22
